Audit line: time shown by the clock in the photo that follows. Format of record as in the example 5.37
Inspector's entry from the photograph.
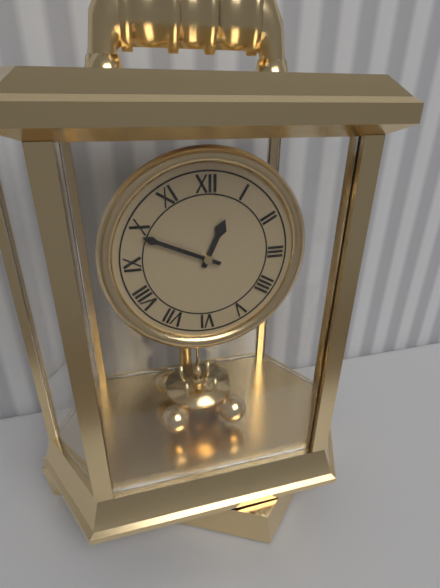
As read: 12.49
